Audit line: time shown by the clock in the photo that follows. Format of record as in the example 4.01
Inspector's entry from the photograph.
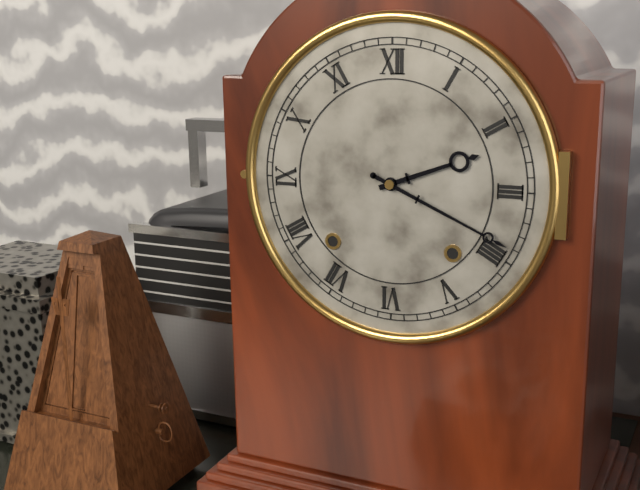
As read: 2.19
